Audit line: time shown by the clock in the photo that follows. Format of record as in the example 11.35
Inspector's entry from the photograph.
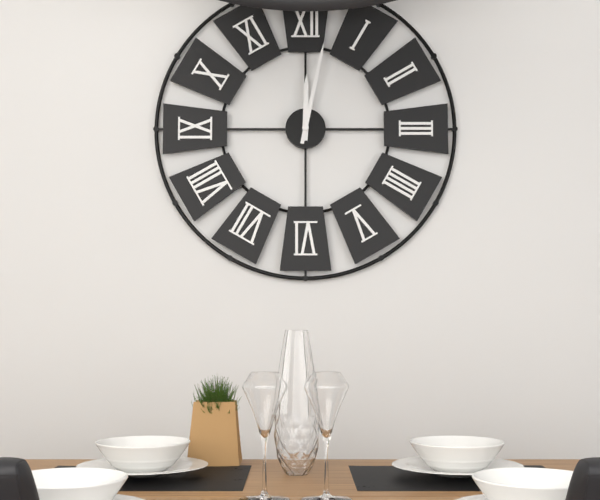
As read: 12.02
